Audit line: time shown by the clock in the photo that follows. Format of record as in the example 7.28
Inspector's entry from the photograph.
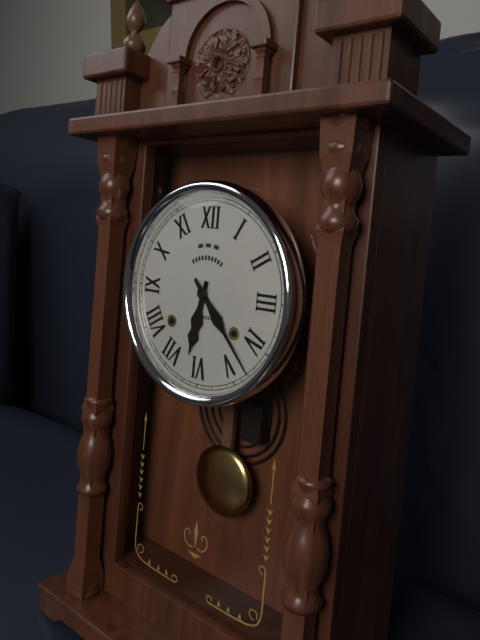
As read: 6.23
